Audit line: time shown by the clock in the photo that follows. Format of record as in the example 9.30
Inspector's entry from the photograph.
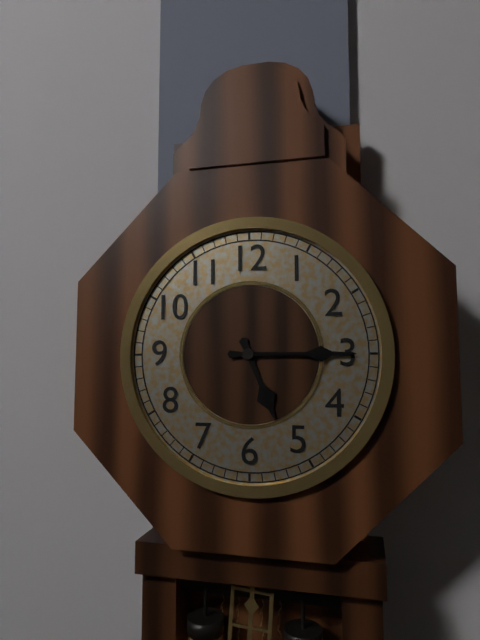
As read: 5.15
